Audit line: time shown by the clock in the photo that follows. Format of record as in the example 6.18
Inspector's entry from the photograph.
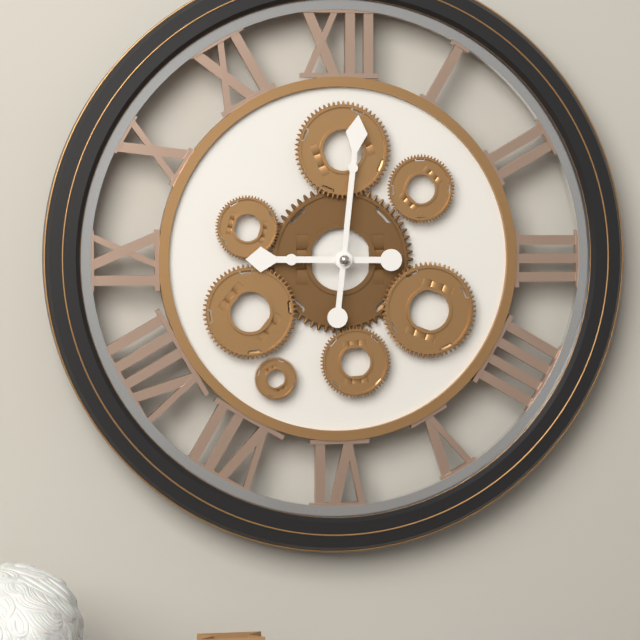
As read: 9.01
